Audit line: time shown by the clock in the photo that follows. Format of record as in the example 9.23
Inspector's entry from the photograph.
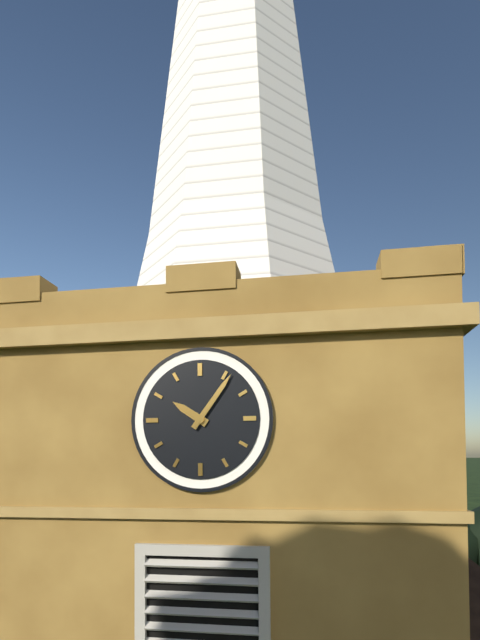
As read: 10.06
